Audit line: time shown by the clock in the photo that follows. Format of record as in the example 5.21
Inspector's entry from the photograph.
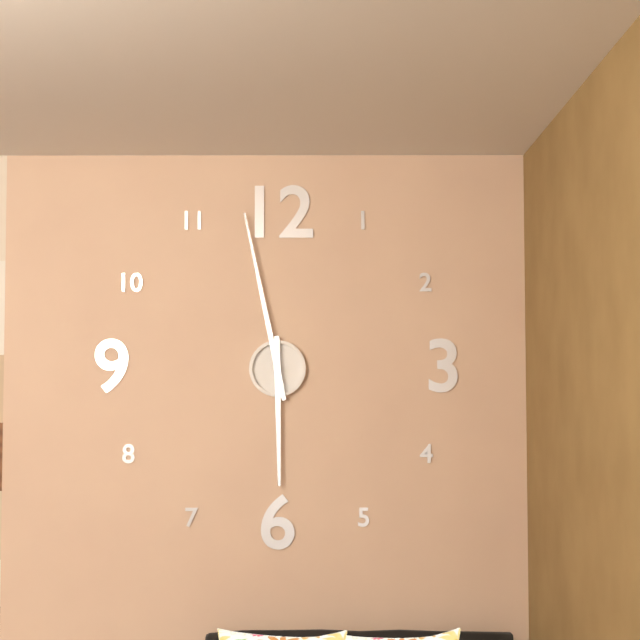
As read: 5.58
